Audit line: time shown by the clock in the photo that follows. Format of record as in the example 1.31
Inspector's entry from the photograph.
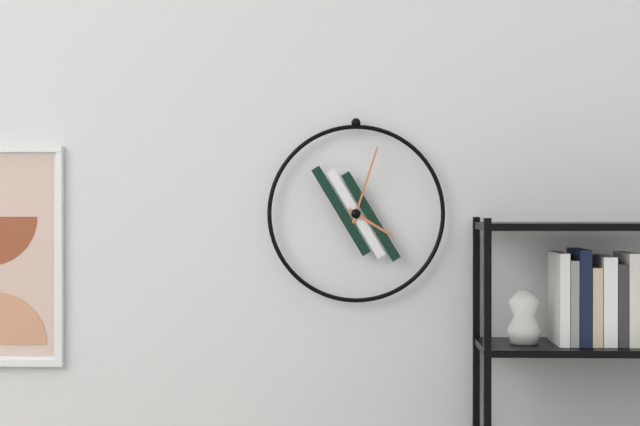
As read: 4.03
